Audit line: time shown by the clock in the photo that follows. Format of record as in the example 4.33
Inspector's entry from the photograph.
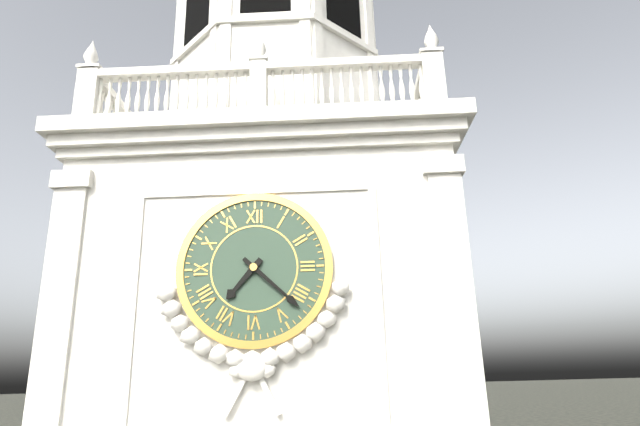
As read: 7.22
